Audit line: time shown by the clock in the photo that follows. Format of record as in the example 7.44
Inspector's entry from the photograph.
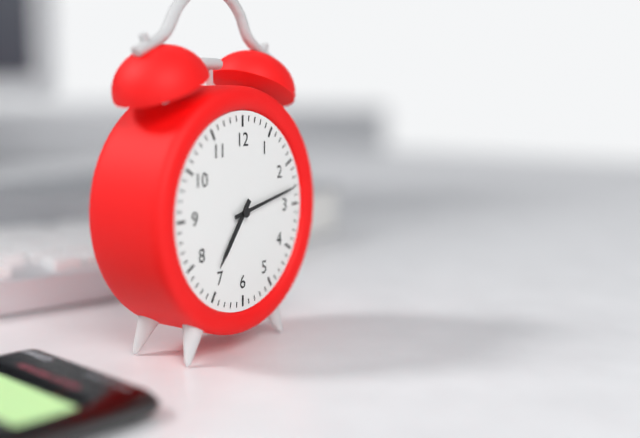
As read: 7.13
